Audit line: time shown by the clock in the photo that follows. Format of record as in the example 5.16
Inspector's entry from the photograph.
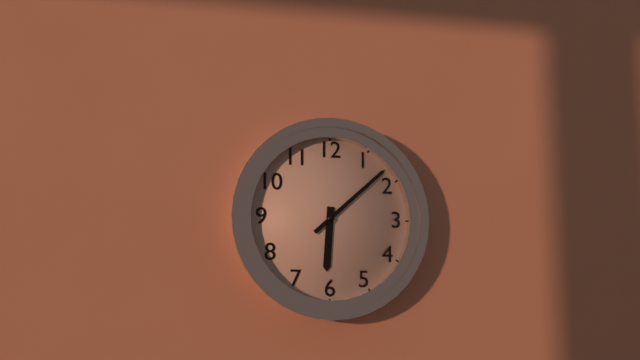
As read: 6.08
